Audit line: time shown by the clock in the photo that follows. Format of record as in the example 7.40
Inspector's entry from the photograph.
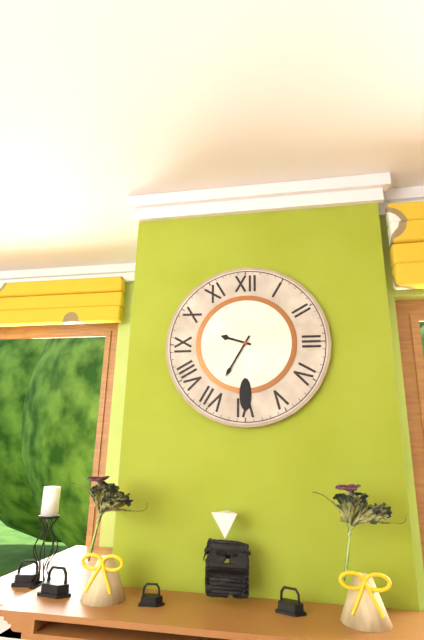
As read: 9.35
